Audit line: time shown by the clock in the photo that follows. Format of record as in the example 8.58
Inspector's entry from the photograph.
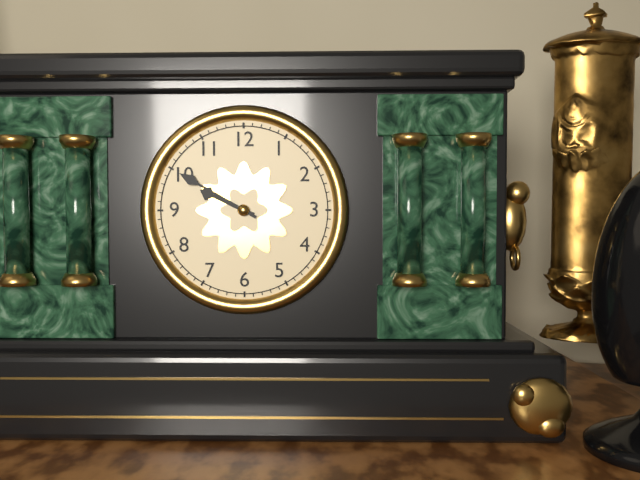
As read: 9.50
